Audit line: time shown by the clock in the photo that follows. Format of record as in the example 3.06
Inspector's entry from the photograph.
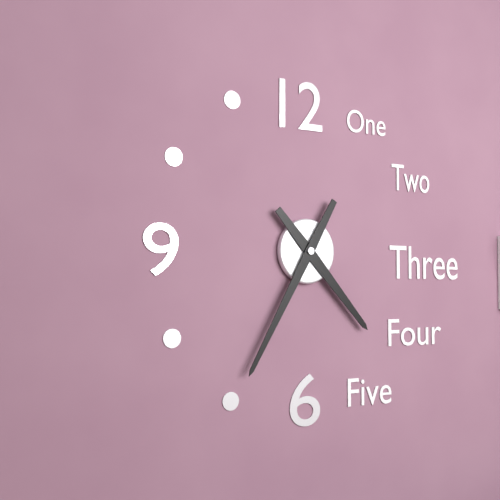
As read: 4.35
